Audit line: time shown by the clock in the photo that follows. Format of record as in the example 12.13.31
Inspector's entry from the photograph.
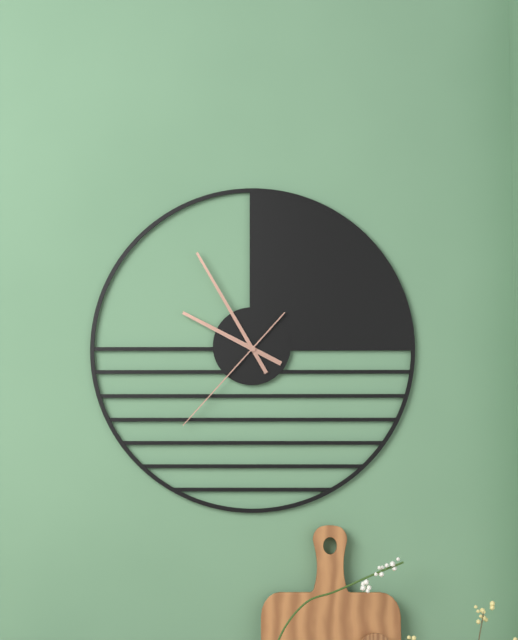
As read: 9.55.37
